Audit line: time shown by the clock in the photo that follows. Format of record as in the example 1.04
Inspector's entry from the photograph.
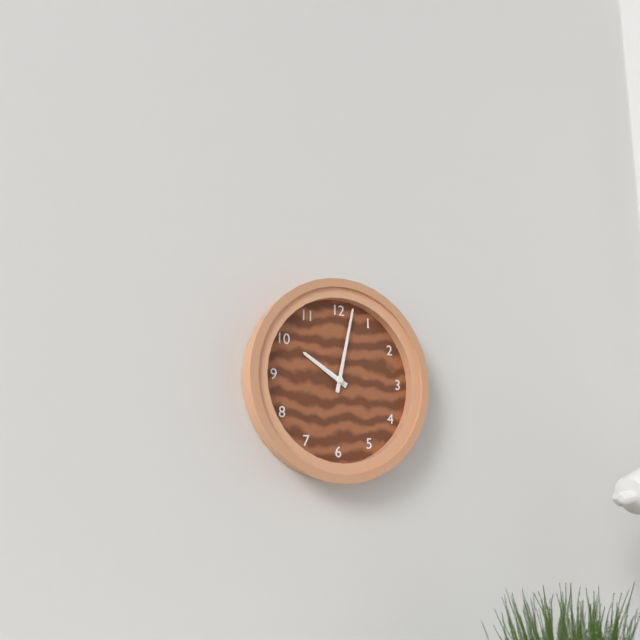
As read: 10.02
